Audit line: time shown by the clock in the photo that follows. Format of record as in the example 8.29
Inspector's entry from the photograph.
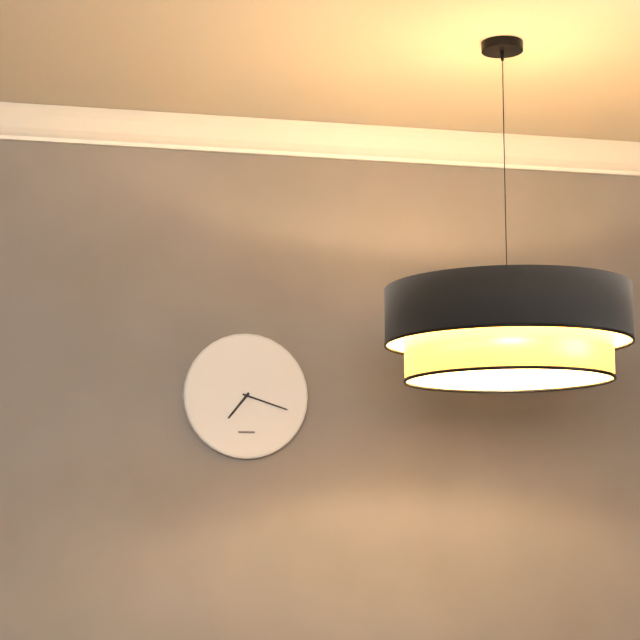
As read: 7.18
